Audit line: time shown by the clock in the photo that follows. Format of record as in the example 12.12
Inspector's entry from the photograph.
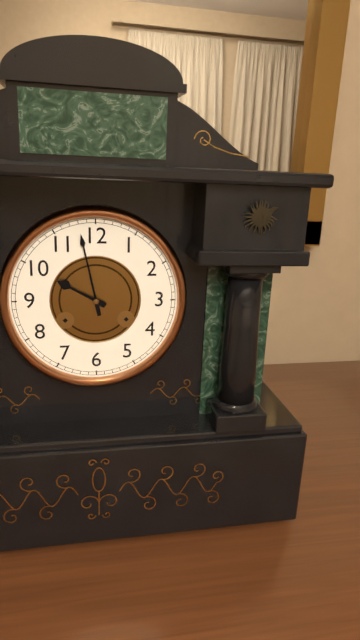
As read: 9.58
